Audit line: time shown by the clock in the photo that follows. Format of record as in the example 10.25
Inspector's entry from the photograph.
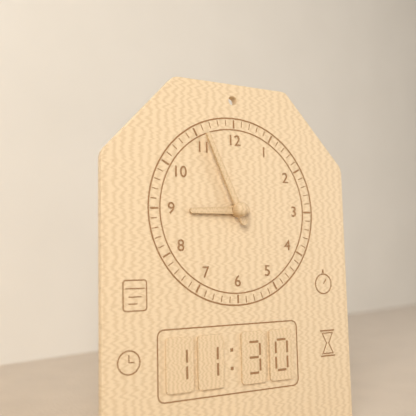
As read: 8.56
